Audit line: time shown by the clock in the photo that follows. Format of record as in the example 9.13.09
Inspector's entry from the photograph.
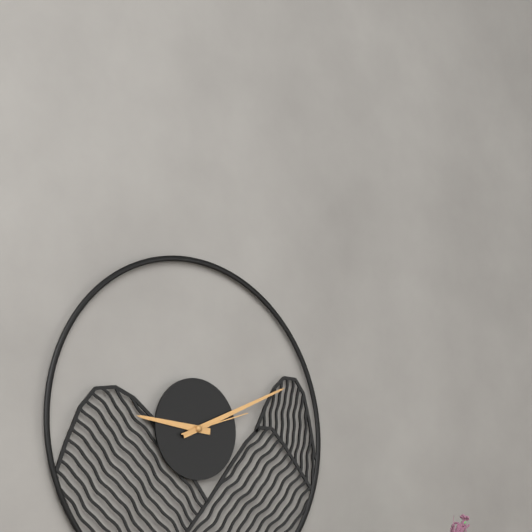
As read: 9.11.12
